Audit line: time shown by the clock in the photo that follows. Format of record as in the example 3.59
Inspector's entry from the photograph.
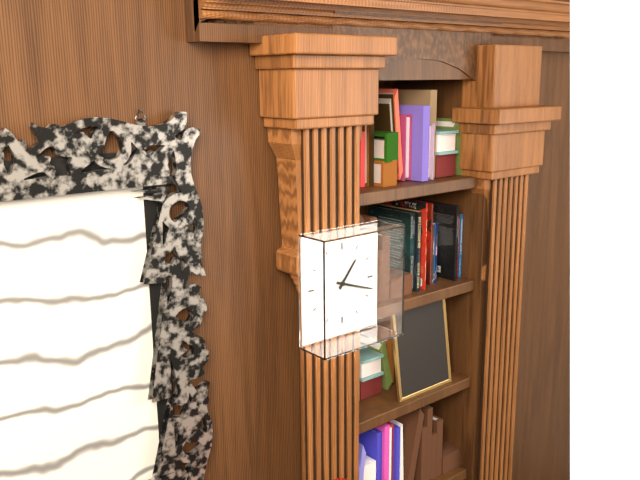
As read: 1.18
